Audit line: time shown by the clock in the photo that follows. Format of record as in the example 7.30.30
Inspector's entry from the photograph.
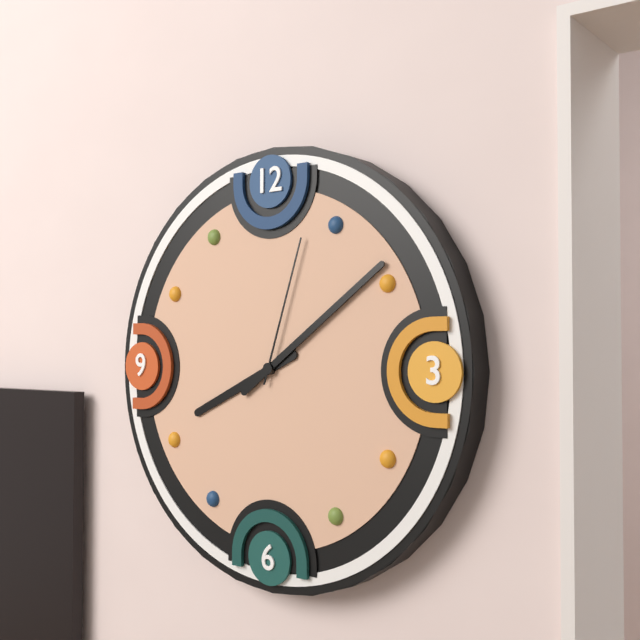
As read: 8.09.03
